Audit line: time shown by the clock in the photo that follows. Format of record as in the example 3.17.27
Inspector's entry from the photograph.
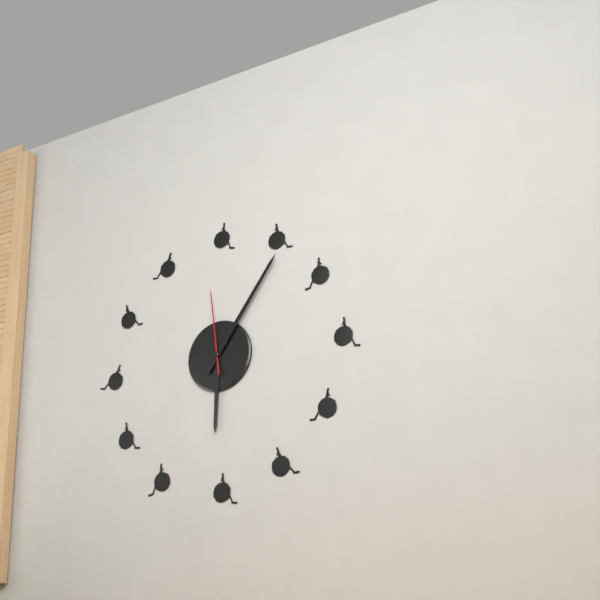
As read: 6.06.59
